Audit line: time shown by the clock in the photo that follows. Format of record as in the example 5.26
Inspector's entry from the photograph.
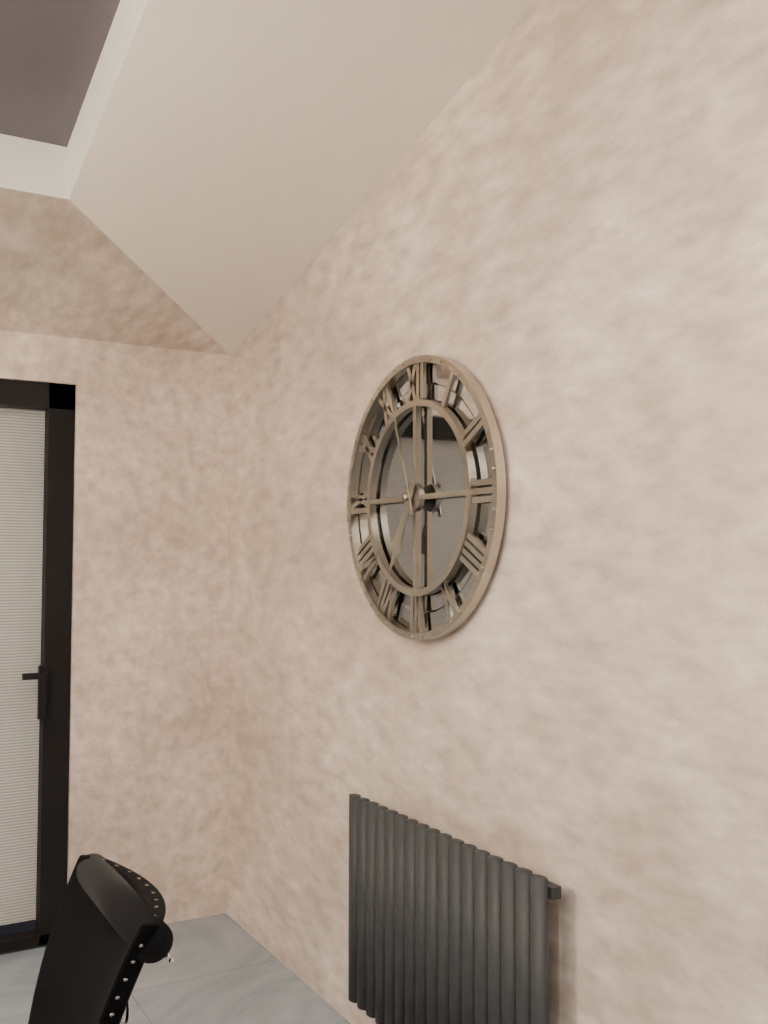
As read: 6.57
